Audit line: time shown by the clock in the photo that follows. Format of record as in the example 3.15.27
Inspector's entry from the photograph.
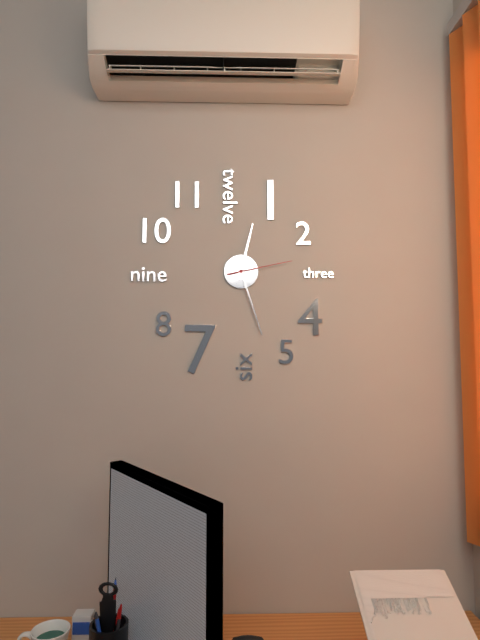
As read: 12.27.13
